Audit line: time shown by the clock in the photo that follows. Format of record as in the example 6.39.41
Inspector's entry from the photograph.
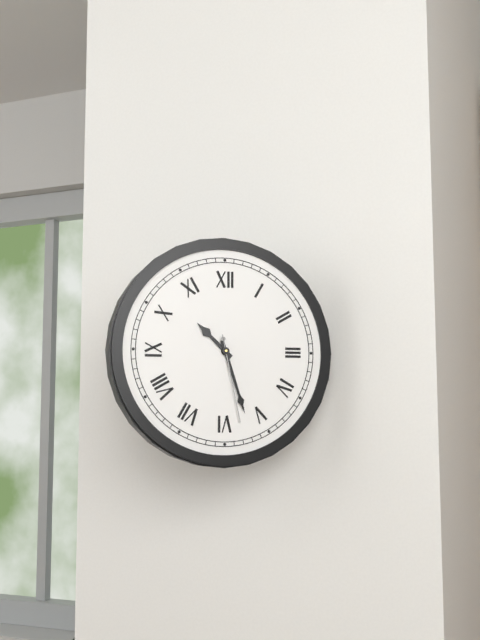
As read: 10.27.28
